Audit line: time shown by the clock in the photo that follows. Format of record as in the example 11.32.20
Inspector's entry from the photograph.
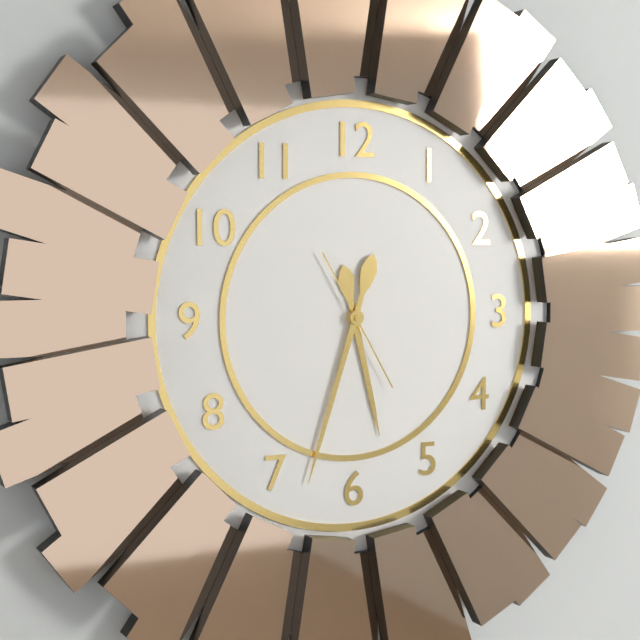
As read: 5.33.25
